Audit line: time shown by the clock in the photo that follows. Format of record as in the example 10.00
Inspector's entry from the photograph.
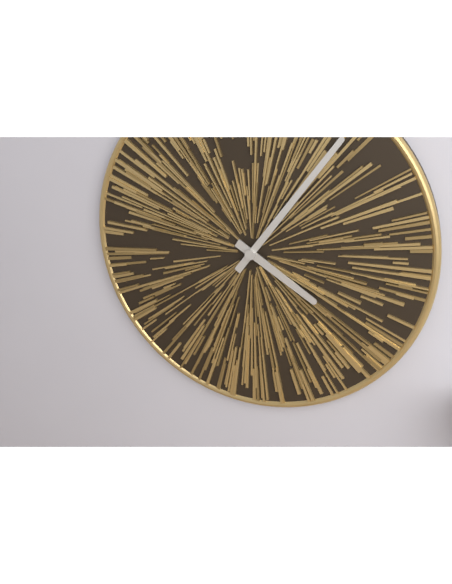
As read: 4.06
